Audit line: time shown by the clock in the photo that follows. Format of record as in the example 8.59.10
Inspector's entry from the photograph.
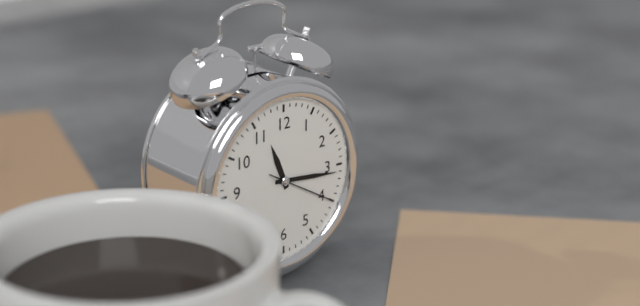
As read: 11.16.20
